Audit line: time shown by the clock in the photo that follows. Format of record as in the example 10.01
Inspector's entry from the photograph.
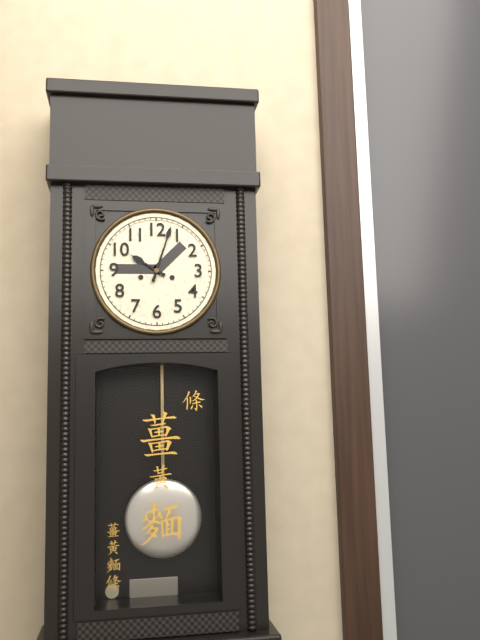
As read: 10.03
